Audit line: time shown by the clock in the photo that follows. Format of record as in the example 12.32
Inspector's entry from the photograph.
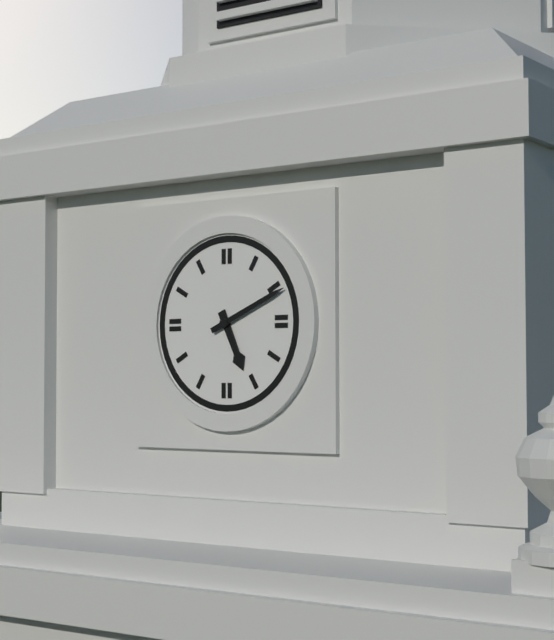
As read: 5.11
